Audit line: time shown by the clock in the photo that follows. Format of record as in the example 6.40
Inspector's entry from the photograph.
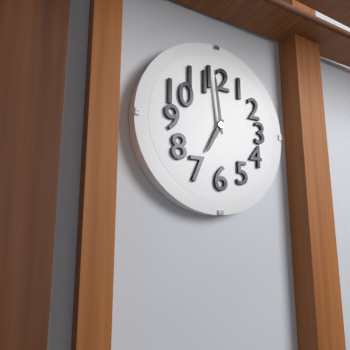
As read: 6.59
